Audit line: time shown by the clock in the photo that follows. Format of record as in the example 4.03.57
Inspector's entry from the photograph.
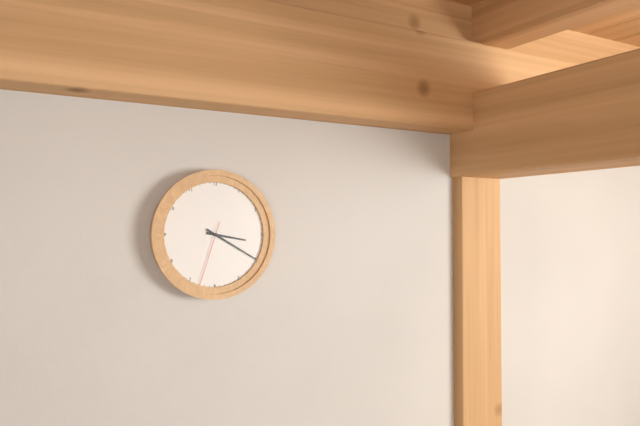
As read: 3.20.33
